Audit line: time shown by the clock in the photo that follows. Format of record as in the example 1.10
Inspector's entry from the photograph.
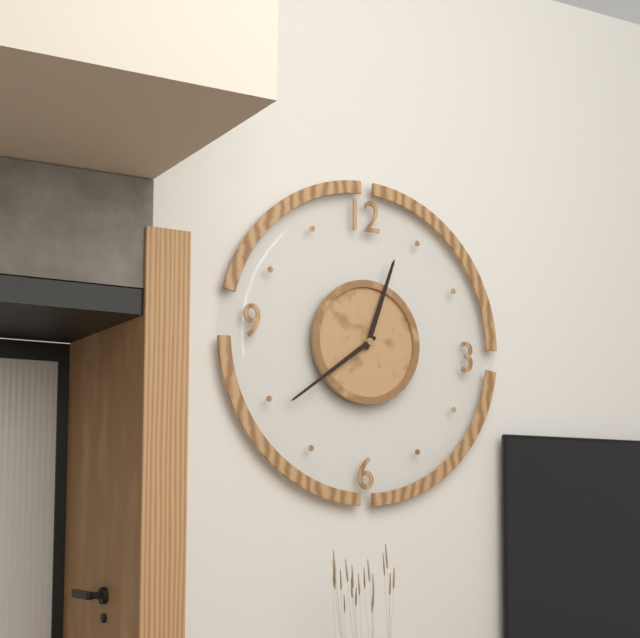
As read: 12.39
